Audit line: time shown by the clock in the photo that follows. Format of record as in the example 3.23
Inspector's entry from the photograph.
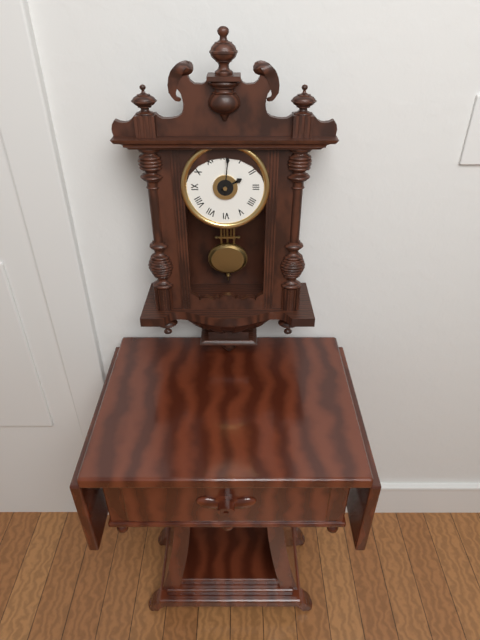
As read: 2.01
